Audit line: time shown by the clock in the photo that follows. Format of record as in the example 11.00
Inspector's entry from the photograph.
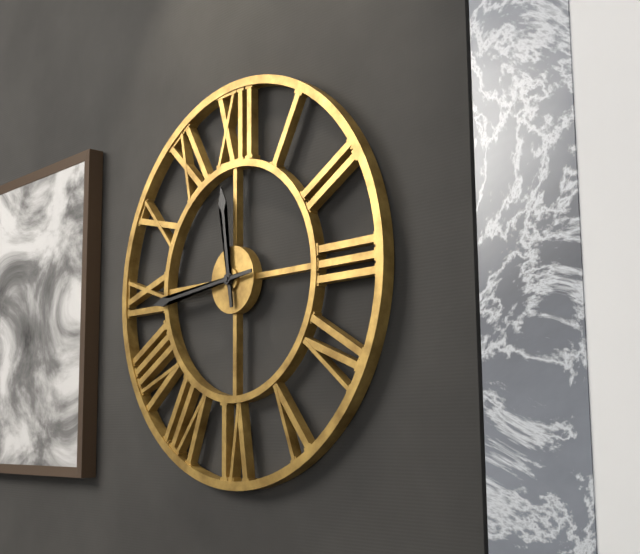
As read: 11.44
